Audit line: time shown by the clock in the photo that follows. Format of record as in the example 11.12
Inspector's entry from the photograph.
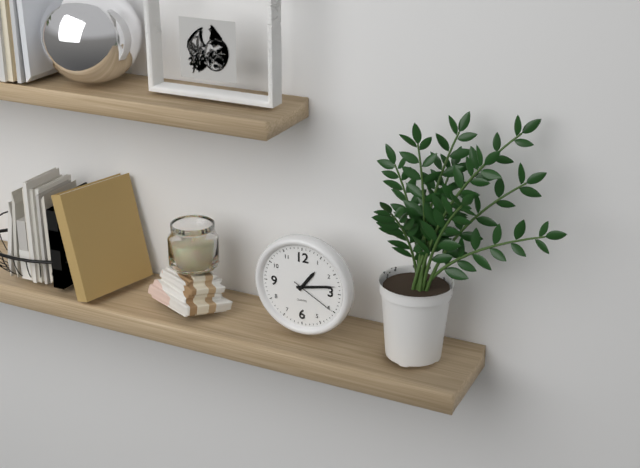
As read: 1.13
